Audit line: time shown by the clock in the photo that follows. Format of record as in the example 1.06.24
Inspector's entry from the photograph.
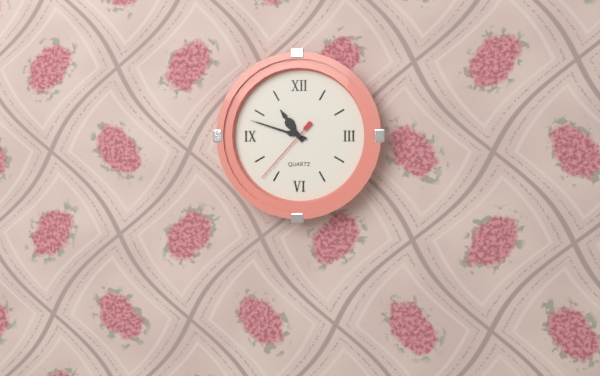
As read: 10.48.37
